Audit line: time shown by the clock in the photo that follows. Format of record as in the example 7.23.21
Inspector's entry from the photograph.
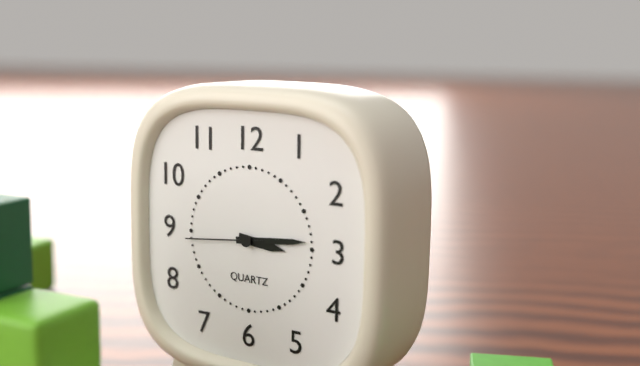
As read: 3.14.44
